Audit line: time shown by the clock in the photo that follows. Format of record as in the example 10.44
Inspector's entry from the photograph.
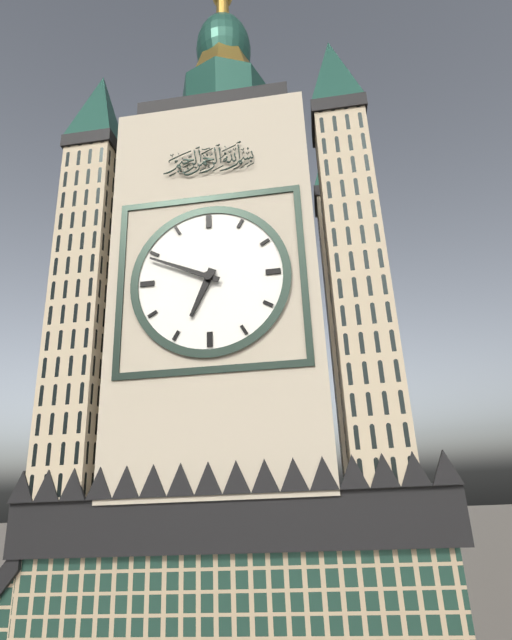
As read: 6.49
